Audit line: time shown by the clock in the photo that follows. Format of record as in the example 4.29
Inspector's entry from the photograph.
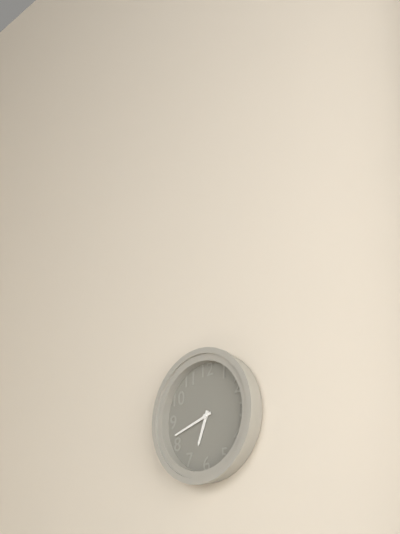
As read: 6.42
